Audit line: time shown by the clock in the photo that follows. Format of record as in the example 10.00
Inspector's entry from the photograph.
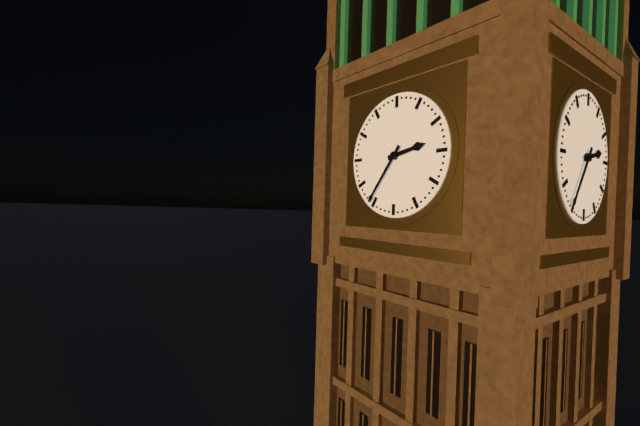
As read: 2.36
